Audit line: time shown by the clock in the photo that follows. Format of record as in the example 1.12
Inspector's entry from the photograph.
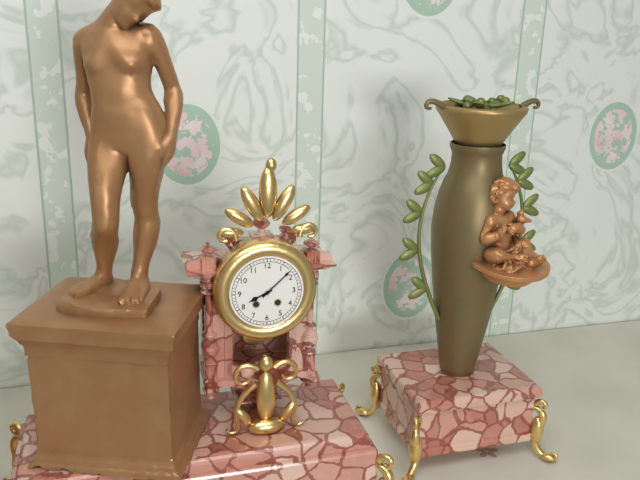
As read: 8.08
